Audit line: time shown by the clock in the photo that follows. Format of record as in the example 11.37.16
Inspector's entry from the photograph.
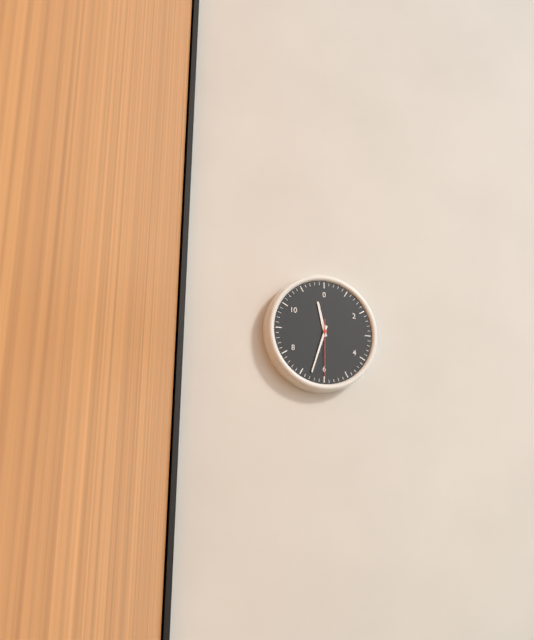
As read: 11.33.30
